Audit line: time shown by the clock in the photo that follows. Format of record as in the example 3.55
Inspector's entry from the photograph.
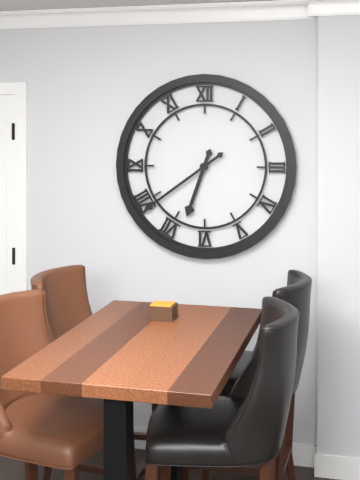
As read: 6.39
